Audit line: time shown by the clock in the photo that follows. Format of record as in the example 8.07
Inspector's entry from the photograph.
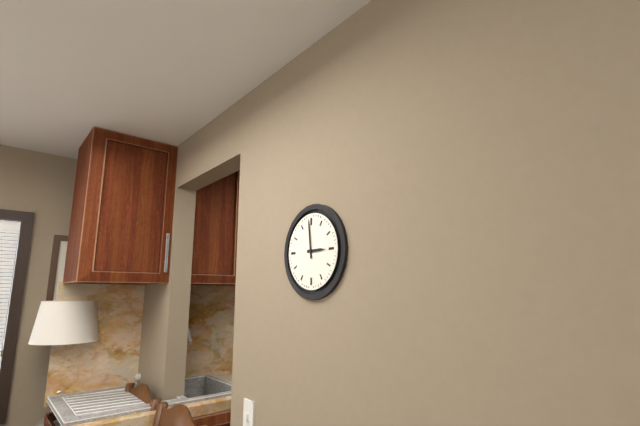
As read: 2.59
